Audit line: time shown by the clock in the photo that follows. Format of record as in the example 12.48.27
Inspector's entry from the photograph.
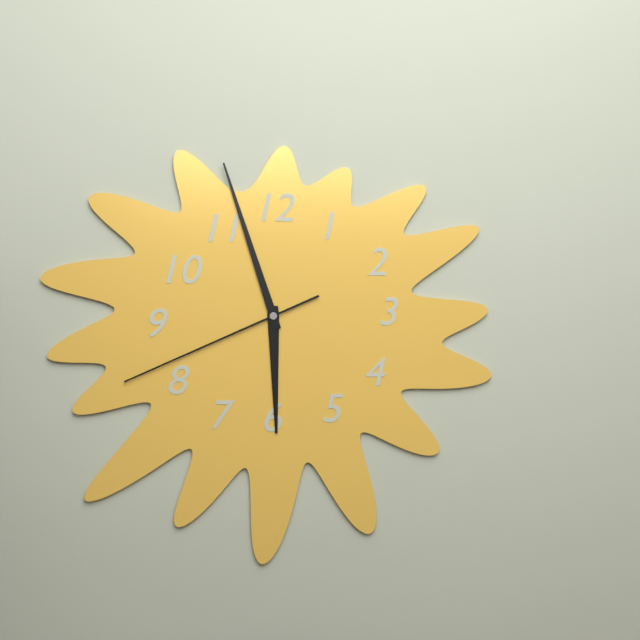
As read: 5.57.41
